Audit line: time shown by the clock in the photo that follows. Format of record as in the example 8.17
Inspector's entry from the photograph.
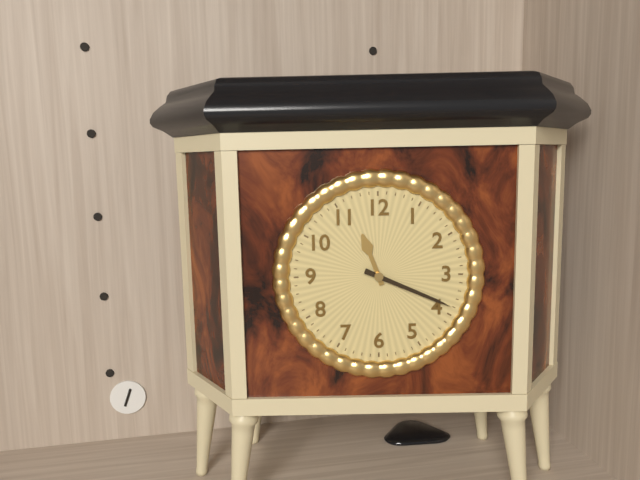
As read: 11.19
